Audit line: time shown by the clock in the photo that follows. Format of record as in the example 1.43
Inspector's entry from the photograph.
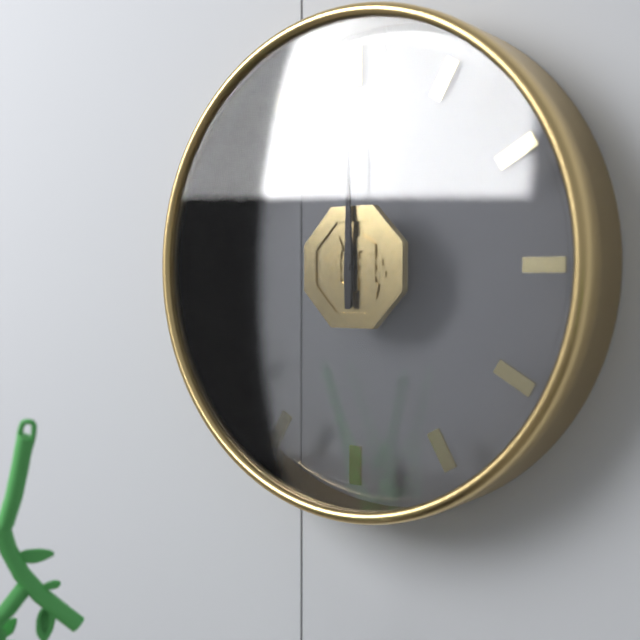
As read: 12.00
